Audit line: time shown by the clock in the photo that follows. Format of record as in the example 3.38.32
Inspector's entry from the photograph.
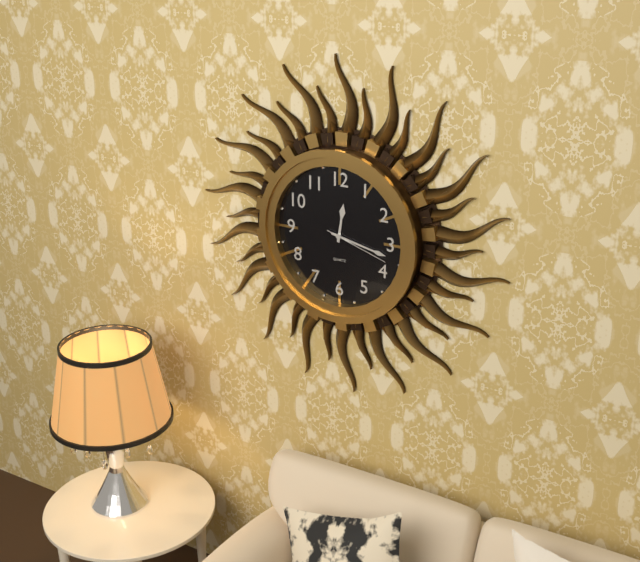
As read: 12.17.18
